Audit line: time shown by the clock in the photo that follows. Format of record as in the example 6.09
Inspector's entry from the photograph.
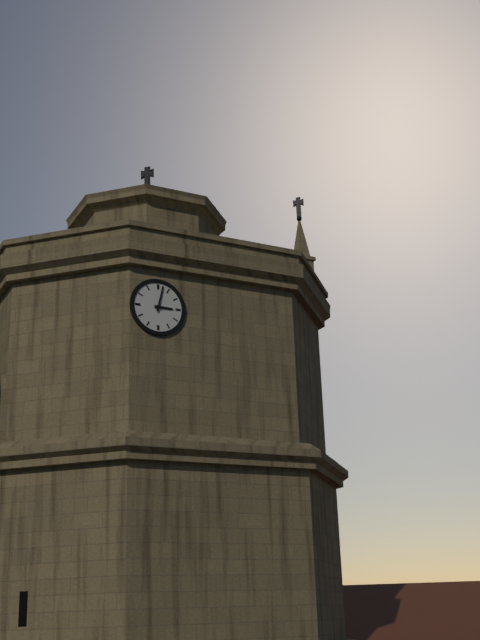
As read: 3.02
